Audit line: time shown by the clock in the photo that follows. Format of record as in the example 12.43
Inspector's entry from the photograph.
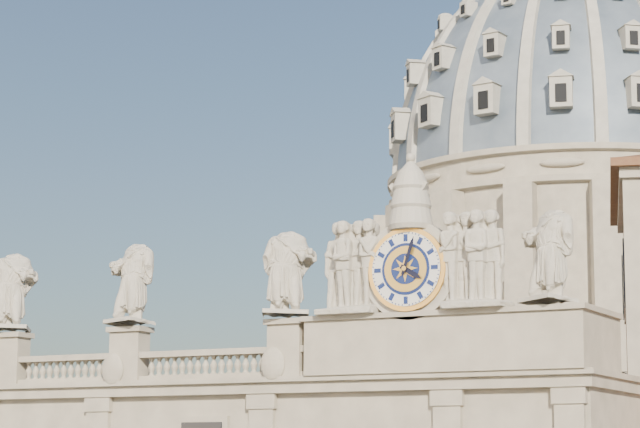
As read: 4.03
